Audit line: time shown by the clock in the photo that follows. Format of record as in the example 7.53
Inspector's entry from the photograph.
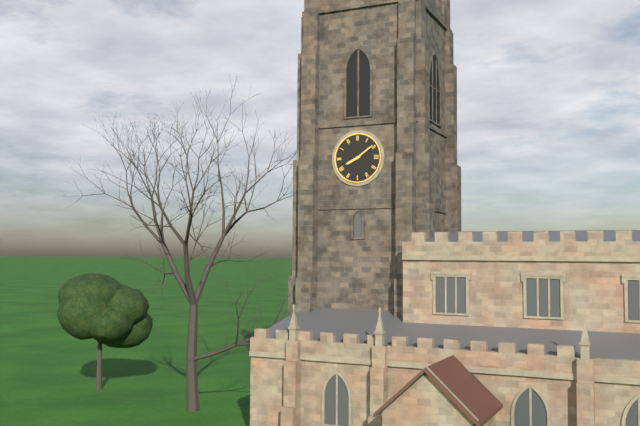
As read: 8.09
